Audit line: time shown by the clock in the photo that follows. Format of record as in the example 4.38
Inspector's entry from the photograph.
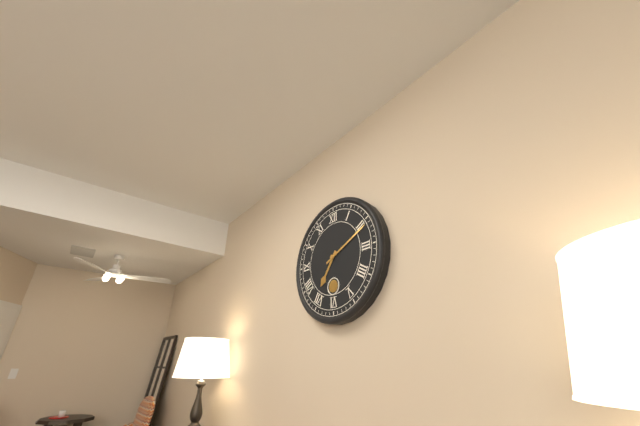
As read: 7.11
